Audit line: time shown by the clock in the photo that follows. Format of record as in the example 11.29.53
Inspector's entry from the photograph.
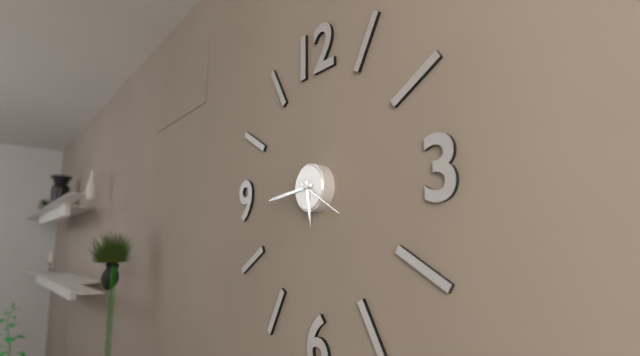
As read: 5.44.20
